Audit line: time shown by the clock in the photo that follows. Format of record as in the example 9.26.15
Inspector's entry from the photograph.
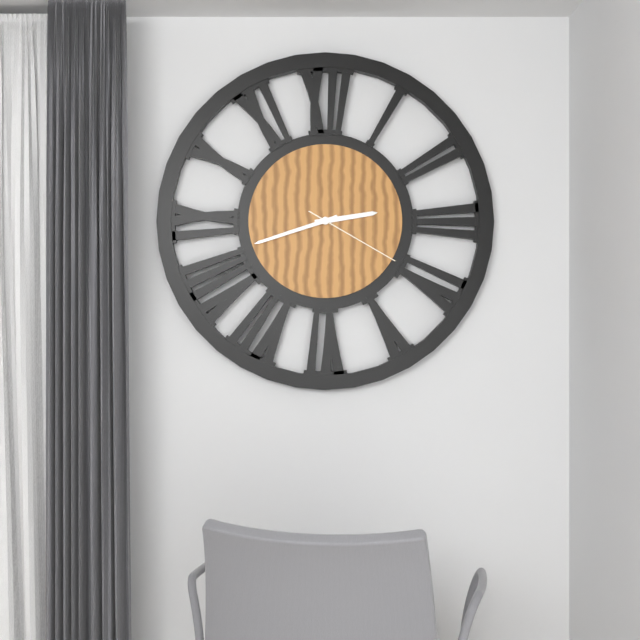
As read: 2.42.20
